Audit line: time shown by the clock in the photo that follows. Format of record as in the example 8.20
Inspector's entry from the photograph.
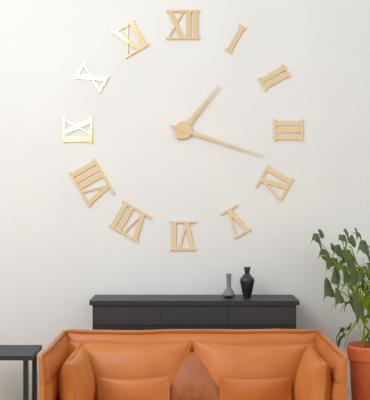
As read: 1.18
